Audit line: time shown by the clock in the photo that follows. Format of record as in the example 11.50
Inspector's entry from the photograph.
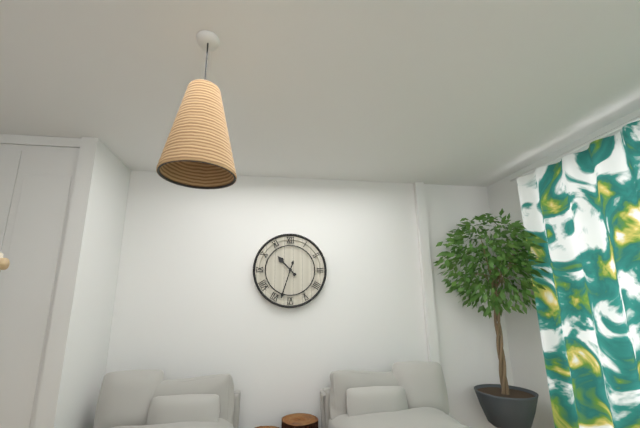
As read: 10.33
